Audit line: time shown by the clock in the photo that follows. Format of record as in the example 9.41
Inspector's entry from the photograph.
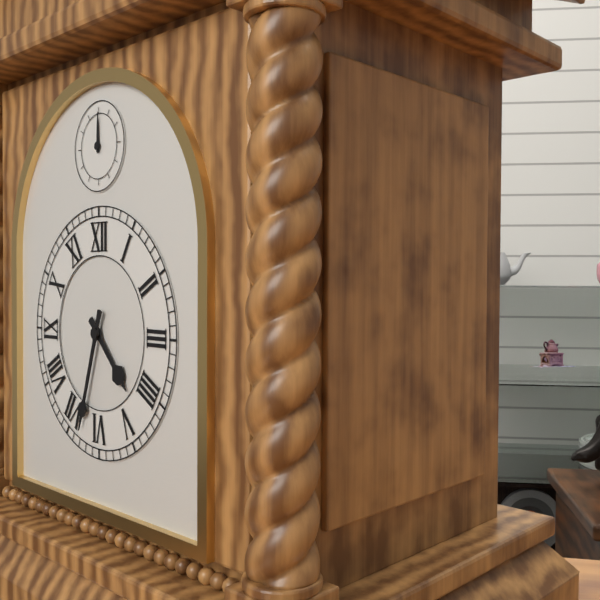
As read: 4.33
